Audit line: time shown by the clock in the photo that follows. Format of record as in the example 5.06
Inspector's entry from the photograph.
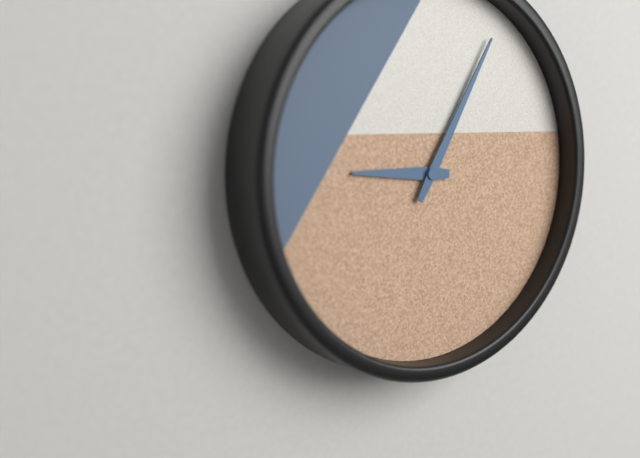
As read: 9.05
